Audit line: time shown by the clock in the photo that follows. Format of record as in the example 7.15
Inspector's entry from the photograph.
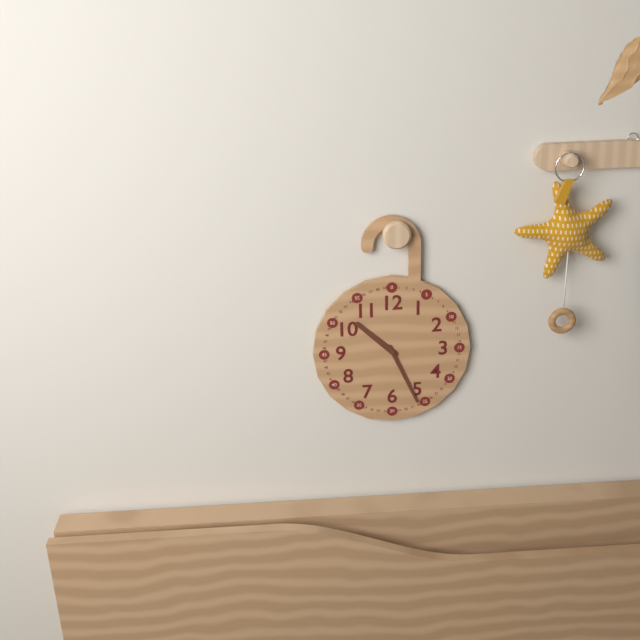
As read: 10.26
